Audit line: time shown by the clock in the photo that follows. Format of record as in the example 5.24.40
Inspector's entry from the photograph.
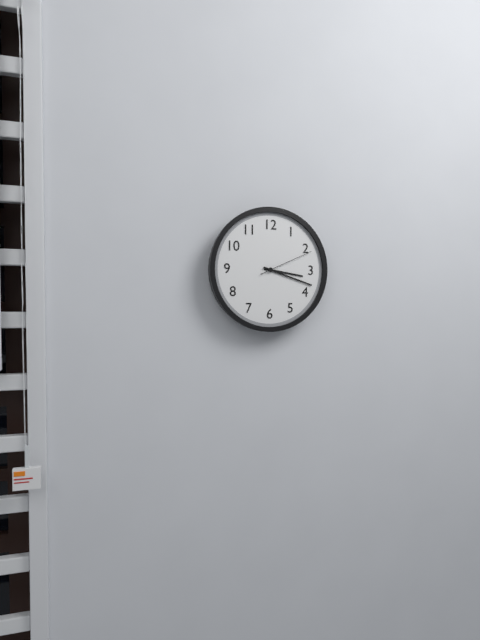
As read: 3.18.11
